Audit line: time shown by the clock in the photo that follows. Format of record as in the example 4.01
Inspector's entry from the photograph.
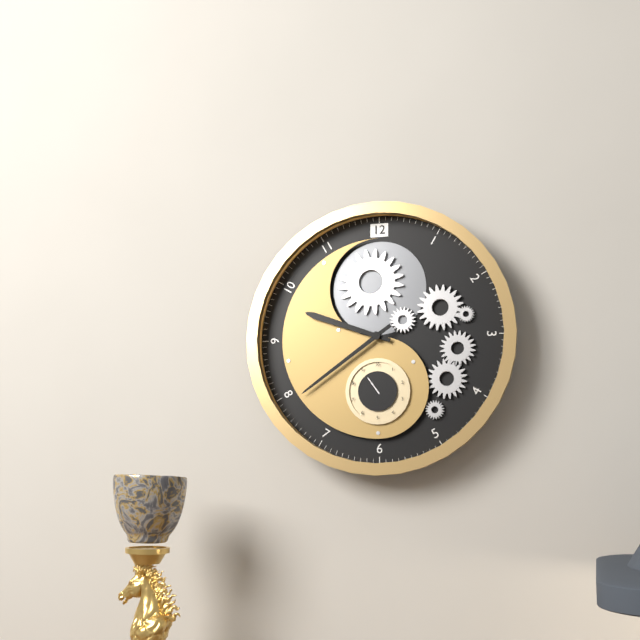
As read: 9.39
